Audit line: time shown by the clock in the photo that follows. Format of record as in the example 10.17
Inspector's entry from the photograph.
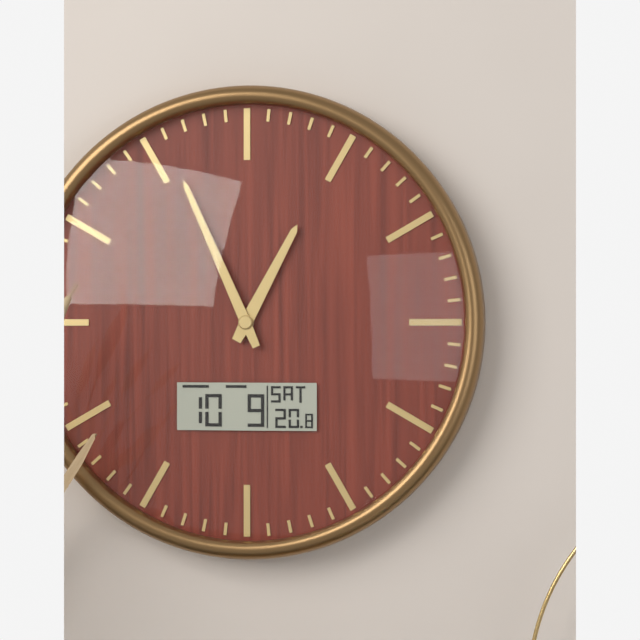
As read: 12.56
